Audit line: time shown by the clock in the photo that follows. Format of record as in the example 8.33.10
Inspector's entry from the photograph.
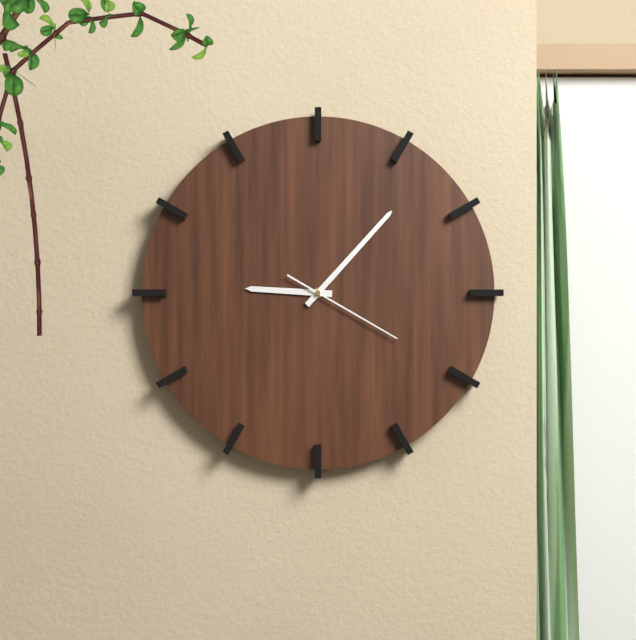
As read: 9.07.20
